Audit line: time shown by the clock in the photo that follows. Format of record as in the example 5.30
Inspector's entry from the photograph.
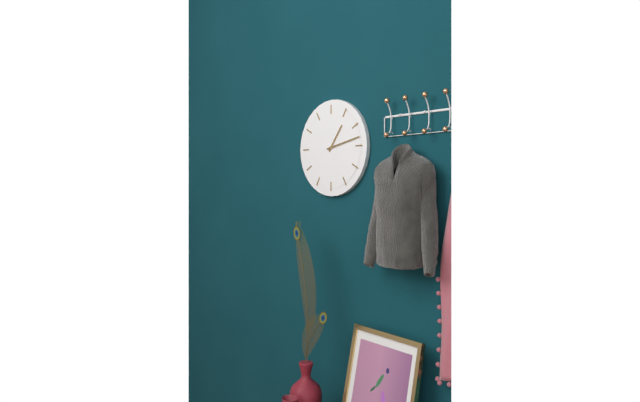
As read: 1.13
